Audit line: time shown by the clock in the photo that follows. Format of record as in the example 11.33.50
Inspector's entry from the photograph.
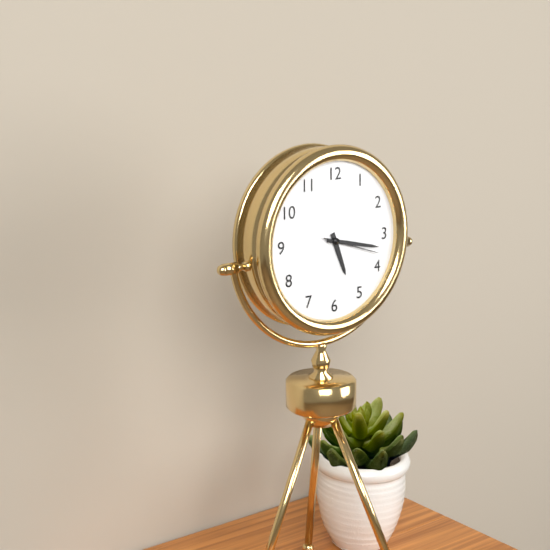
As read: 5.17.18
